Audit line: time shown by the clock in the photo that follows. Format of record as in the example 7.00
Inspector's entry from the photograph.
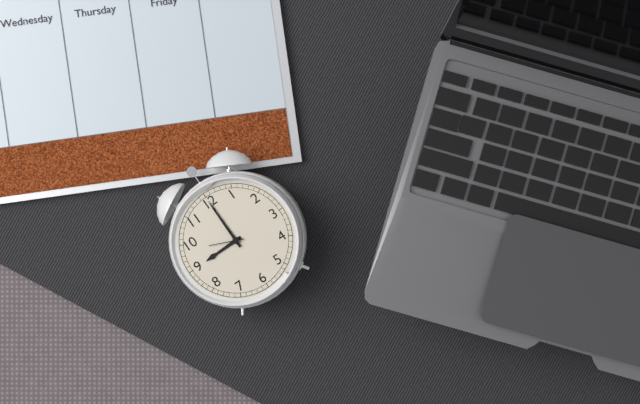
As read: 9.00
